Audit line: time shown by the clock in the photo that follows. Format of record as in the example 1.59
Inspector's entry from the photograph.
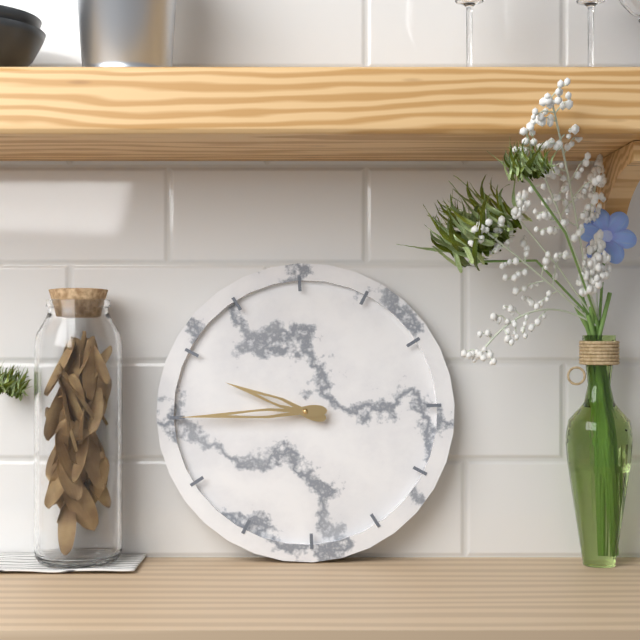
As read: 9.45
